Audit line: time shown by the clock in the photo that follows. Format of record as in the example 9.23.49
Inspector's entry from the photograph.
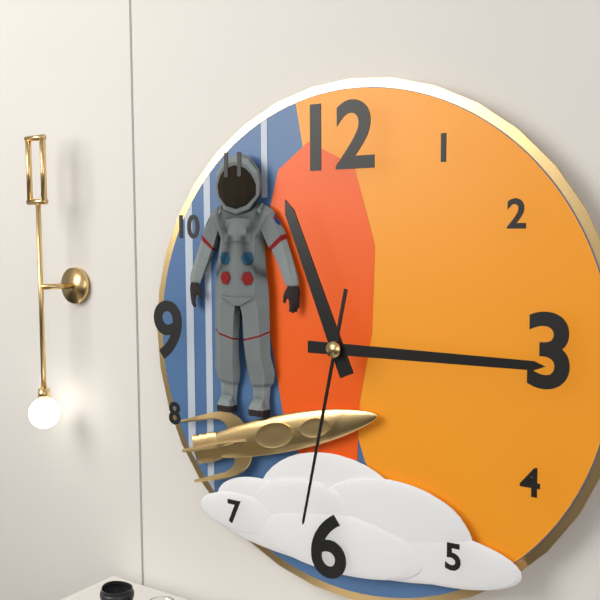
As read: 11.15.32
